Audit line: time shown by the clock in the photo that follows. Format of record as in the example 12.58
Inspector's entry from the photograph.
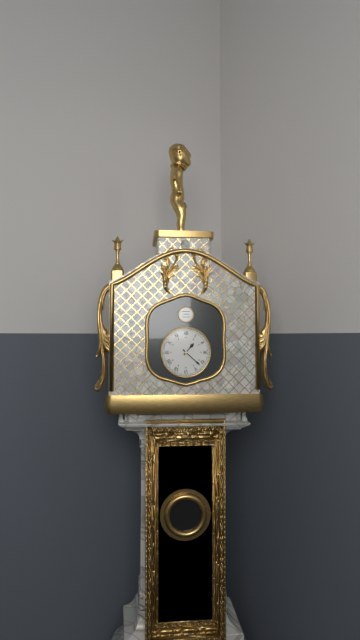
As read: 1.22
